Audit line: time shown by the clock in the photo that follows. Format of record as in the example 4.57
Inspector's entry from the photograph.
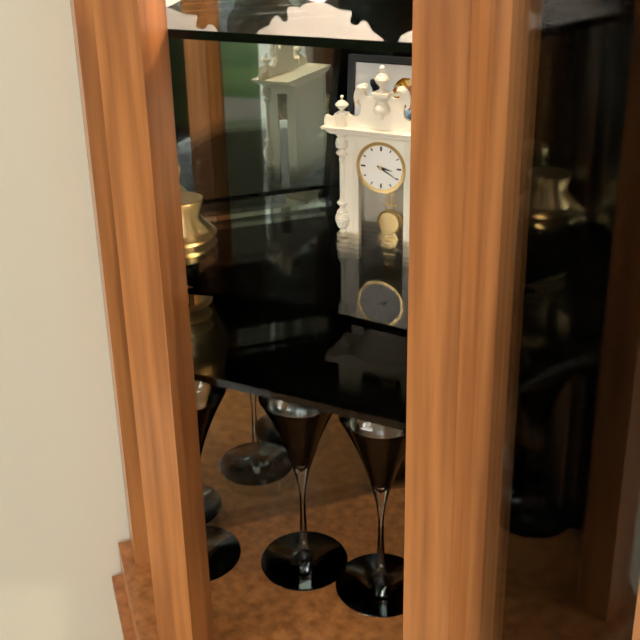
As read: 3.20
